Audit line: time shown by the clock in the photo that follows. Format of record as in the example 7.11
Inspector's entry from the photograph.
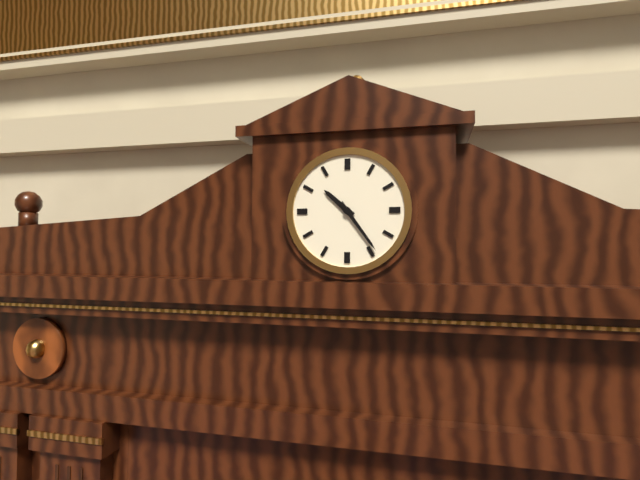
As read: 10.24
